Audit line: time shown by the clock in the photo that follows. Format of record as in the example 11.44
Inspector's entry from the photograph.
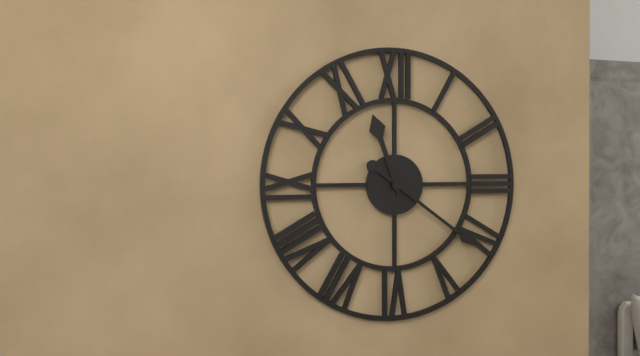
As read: 11.21
